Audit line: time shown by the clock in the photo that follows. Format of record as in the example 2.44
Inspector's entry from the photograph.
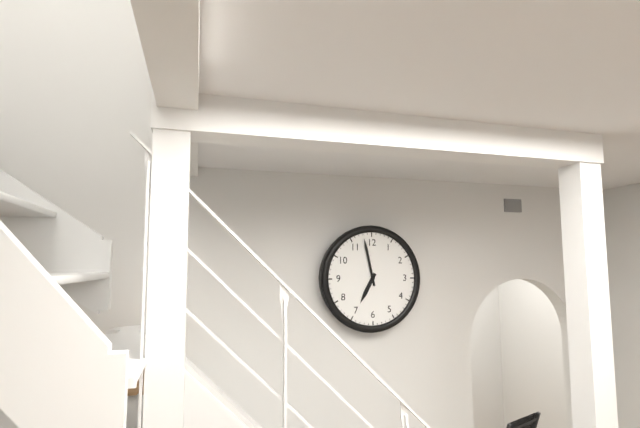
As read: 6.58
